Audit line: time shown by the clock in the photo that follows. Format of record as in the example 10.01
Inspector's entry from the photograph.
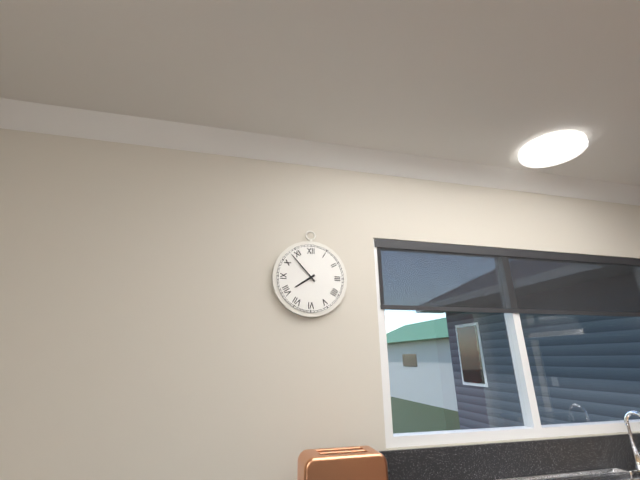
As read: 7.53
